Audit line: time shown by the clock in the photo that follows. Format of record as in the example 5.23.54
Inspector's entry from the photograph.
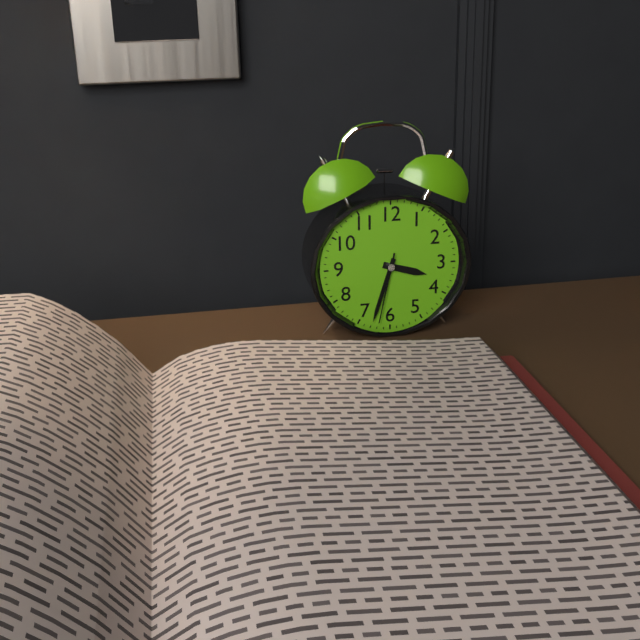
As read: 3.33.32
